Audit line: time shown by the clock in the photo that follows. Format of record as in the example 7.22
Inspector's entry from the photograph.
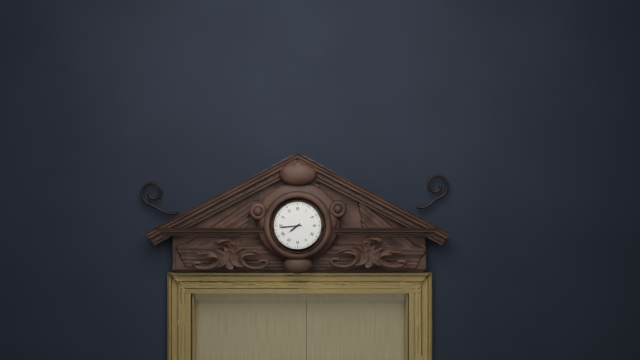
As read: 7.44
